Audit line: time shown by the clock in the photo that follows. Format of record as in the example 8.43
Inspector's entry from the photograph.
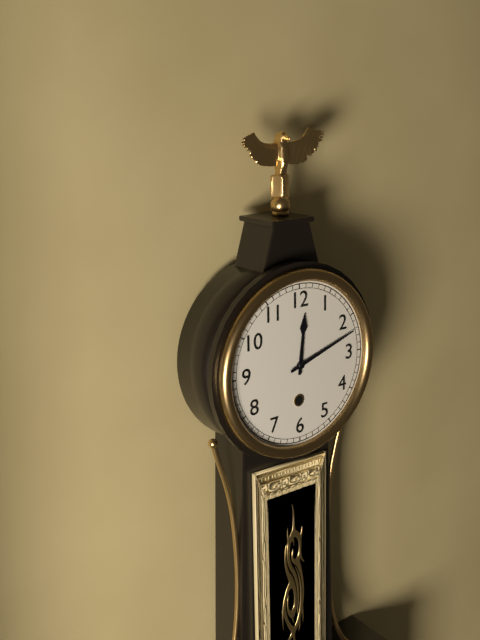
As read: 12.12
